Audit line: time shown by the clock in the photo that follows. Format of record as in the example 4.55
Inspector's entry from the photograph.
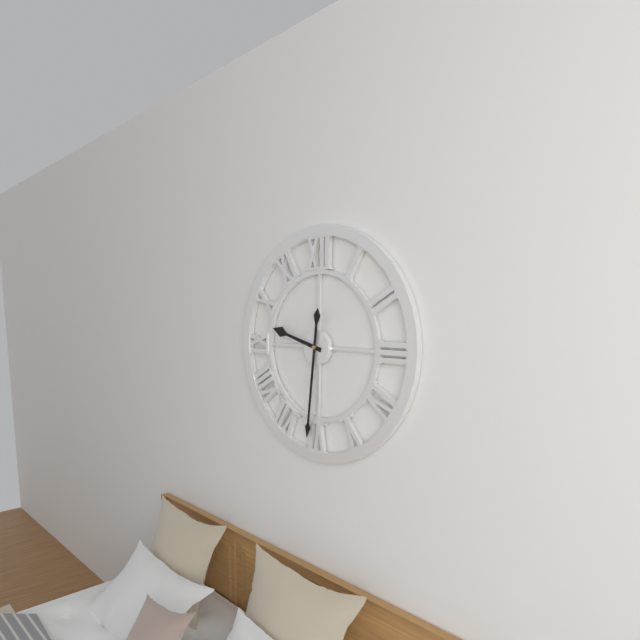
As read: 9.31
